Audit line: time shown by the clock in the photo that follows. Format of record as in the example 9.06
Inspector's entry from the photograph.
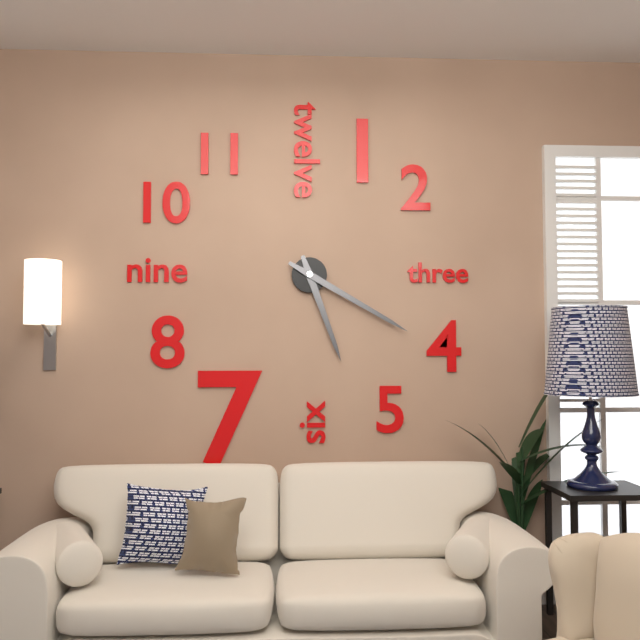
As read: 5.20
